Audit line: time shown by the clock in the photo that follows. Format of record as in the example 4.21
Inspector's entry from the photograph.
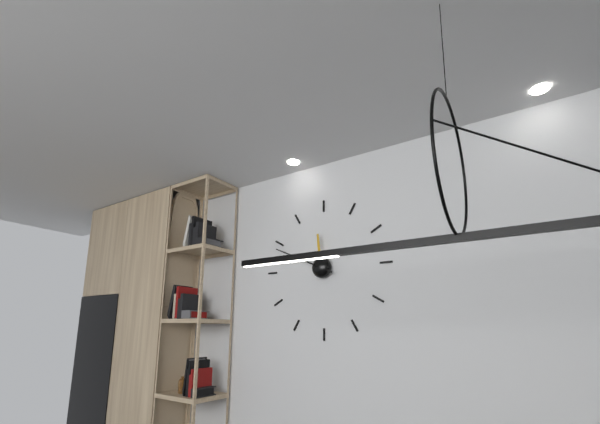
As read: 11.49
